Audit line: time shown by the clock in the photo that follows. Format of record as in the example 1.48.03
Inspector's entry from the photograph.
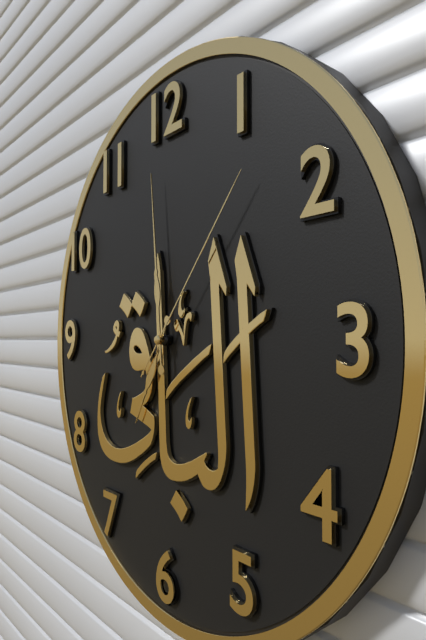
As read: 6.59.07
